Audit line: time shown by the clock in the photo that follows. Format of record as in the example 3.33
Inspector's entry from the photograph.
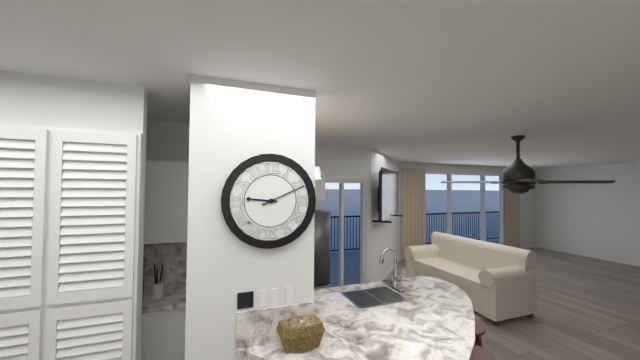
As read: 9.11
